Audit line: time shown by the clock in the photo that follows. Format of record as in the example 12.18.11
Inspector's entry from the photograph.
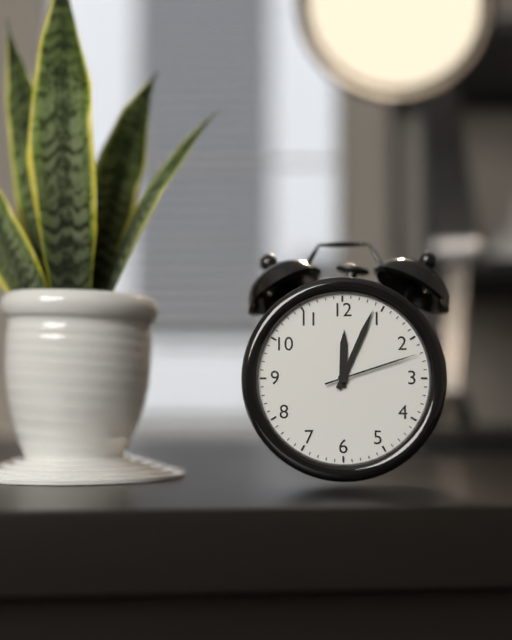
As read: 12.04.12
